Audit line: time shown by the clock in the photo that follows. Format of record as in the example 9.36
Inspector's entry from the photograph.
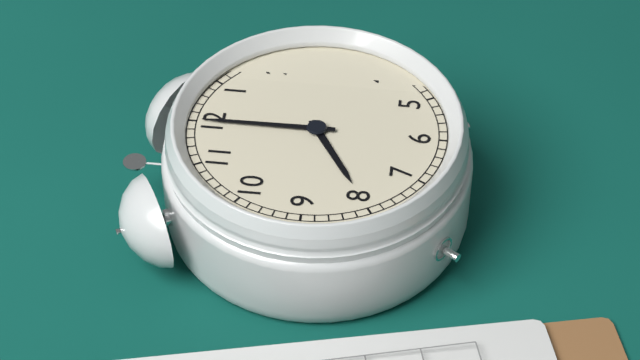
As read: 8.00
